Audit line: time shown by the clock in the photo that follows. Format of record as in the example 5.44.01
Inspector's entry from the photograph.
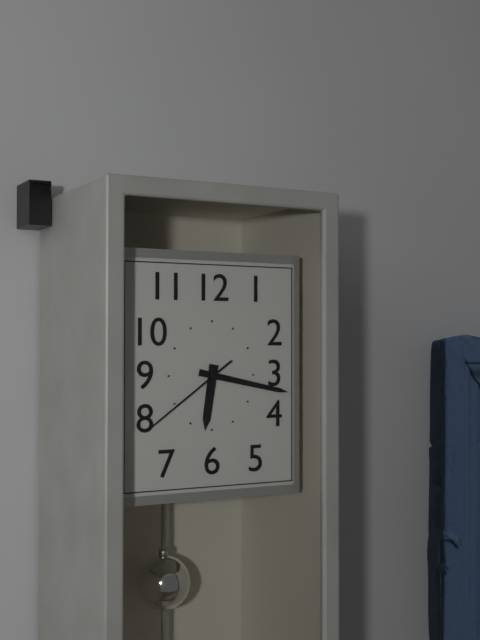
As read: 6.17.39
